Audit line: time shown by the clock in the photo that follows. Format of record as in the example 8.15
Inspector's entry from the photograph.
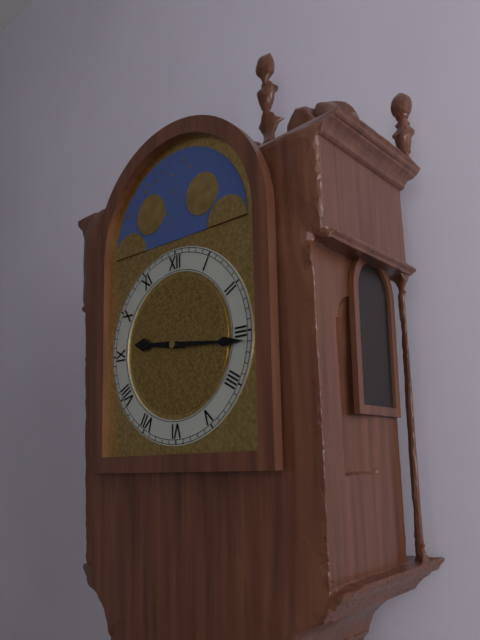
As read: 9.16
